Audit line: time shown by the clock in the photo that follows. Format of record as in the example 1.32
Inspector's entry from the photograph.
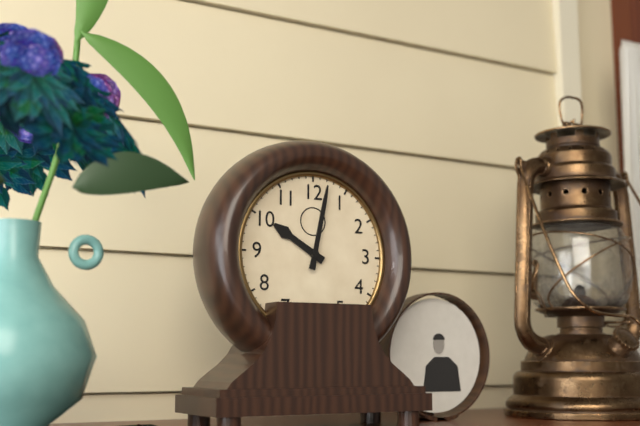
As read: 10.02
